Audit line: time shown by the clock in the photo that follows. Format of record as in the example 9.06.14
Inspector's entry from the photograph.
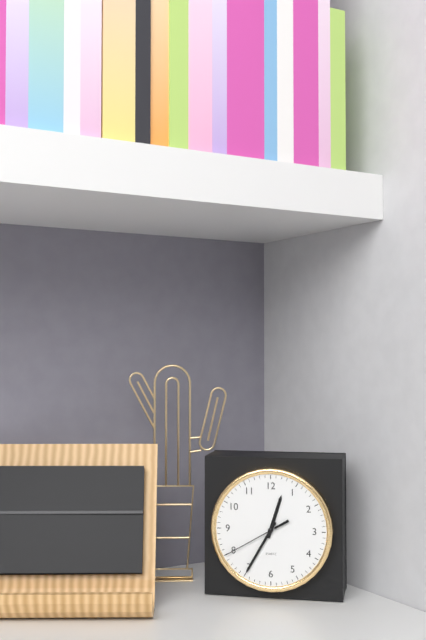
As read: 12.35.40
